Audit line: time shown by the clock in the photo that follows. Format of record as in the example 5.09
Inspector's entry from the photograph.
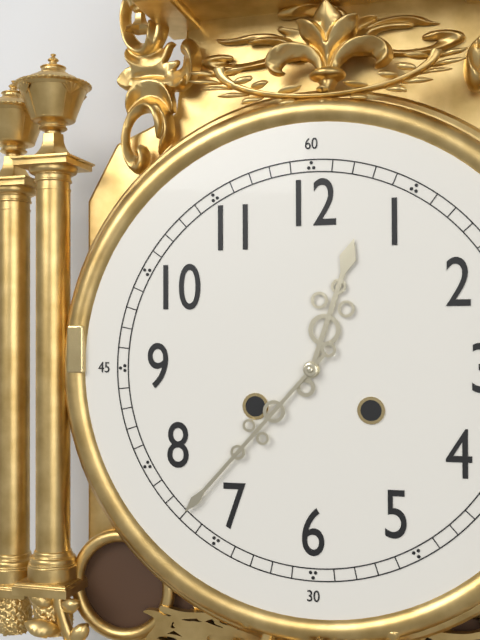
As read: 12.37
